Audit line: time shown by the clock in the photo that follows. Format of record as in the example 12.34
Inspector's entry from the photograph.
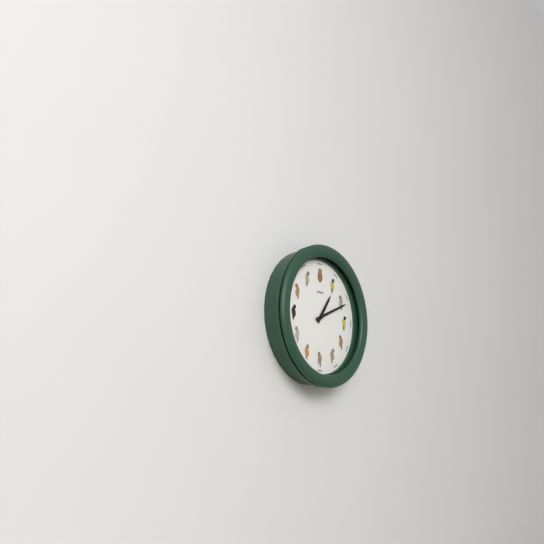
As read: 1.11
